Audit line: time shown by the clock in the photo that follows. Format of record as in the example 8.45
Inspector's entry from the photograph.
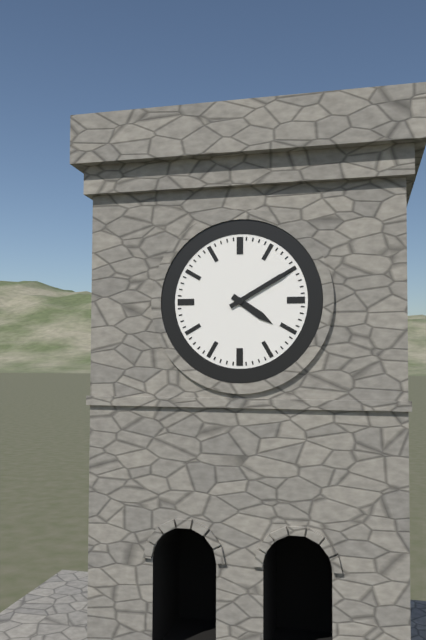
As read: 4.10
